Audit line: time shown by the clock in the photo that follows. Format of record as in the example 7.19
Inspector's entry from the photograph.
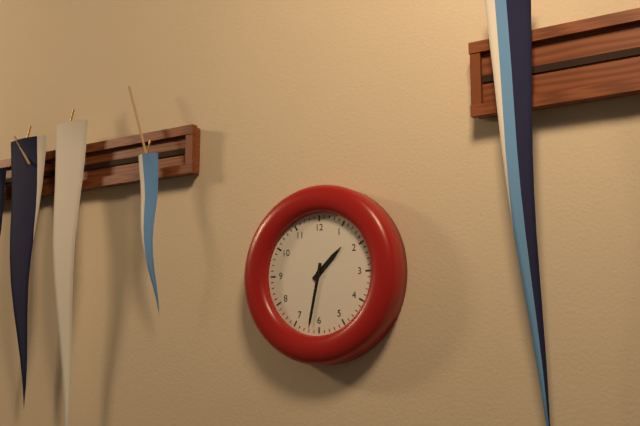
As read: 1.32
